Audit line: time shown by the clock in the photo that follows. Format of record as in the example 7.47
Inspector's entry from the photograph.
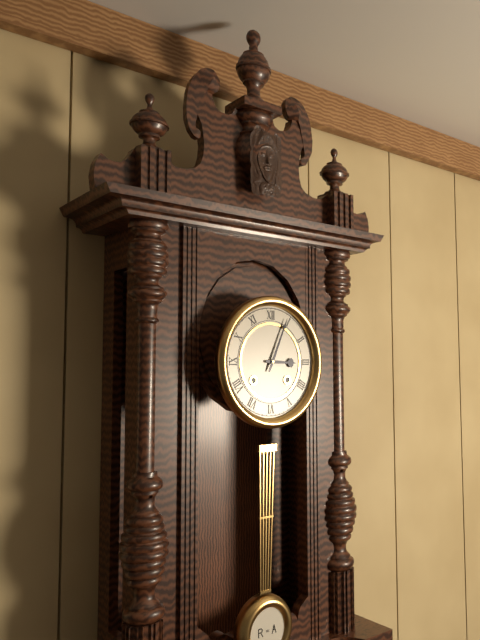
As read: 3.04
